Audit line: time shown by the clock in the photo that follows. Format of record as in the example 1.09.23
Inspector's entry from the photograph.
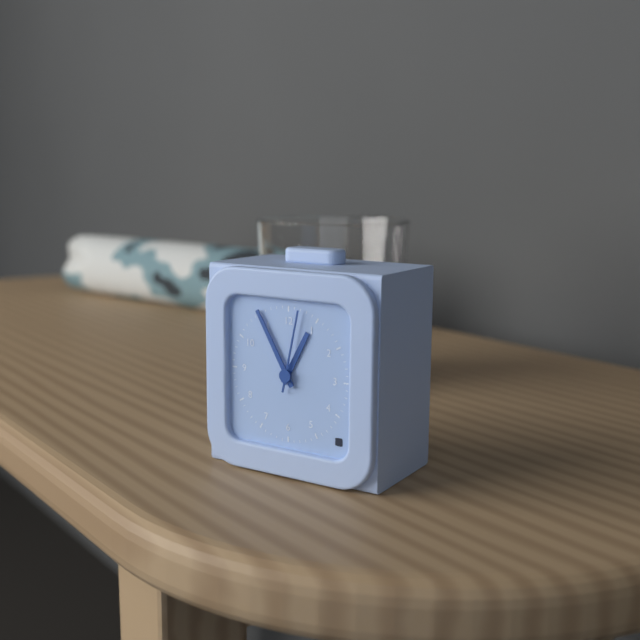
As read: 12.55.02
